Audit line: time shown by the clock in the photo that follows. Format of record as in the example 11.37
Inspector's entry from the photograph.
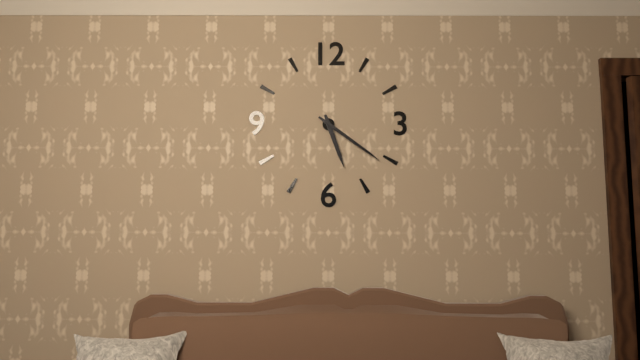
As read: 5.21
